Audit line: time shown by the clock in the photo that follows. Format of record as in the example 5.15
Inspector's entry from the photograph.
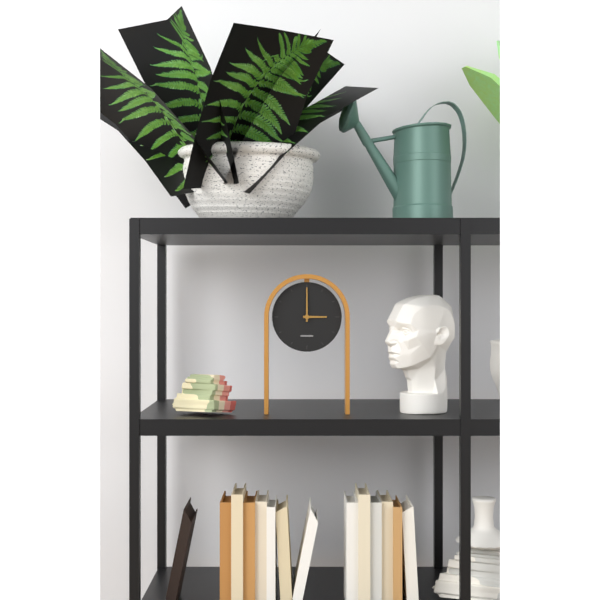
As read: 3.00
